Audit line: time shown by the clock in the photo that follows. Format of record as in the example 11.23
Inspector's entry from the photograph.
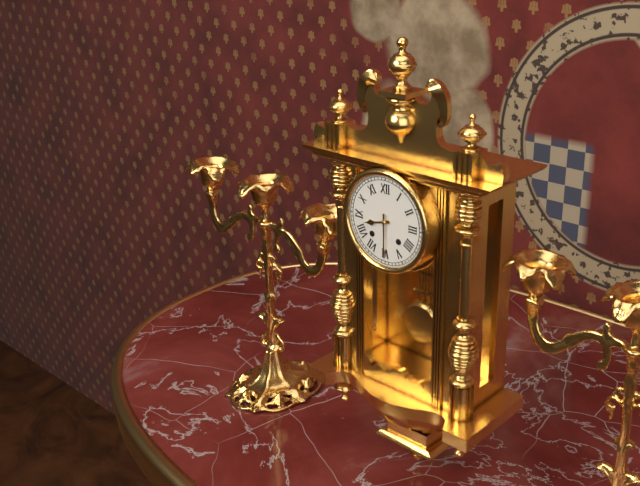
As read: 8.30
